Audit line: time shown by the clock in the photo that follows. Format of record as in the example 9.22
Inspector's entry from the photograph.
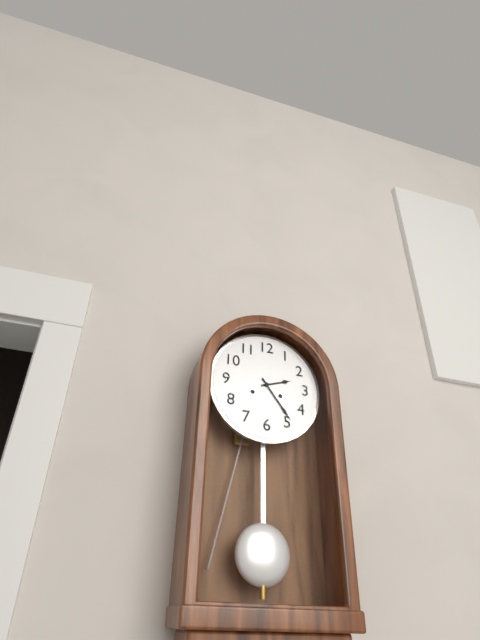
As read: 2.24
